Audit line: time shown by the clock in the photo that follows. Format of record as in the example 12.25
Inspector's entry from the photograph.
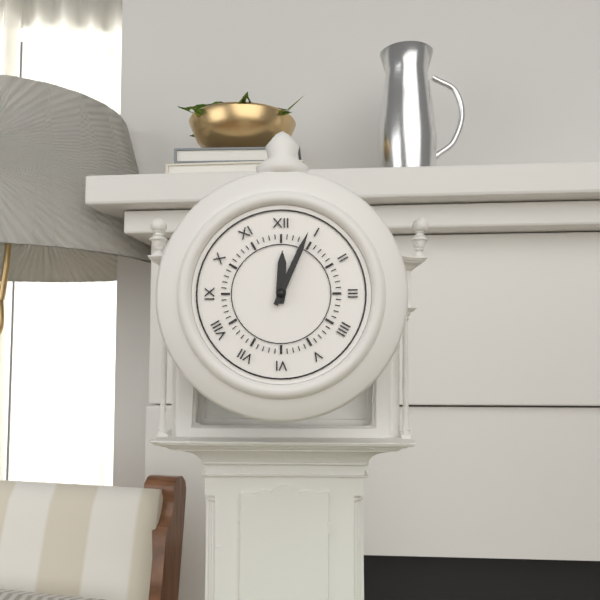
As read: 12.04
